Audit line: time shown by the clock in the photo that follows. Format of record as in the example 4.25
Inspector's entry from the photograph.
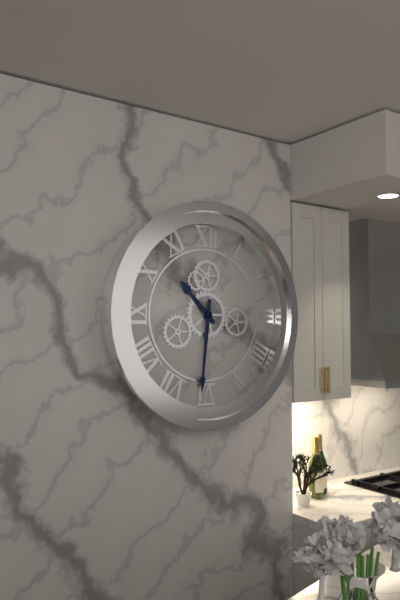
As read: 10.31
